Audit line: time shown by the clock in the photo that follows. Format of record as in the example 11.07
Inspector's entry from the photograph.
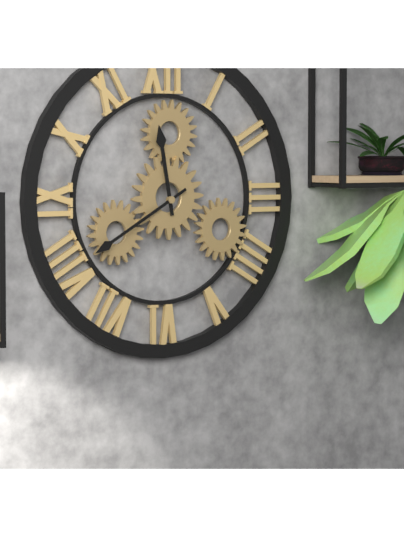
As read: 11.40
